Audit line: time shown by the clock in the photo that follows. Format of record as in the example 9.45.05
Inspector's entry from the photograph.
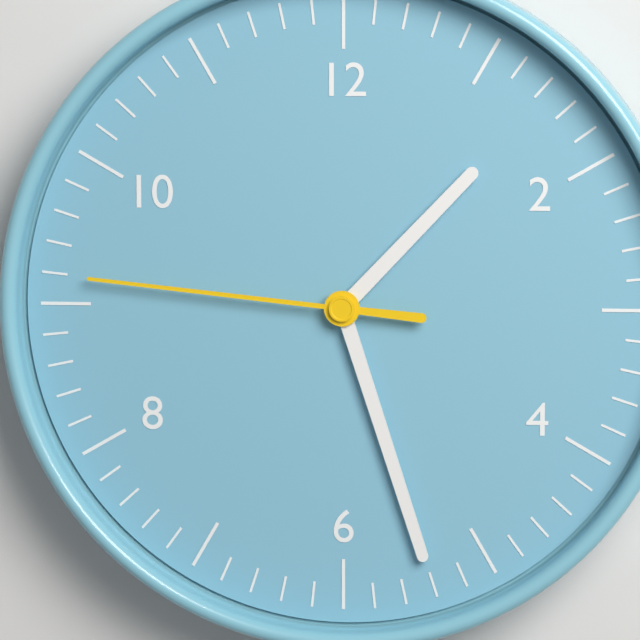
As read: 1.27.46
